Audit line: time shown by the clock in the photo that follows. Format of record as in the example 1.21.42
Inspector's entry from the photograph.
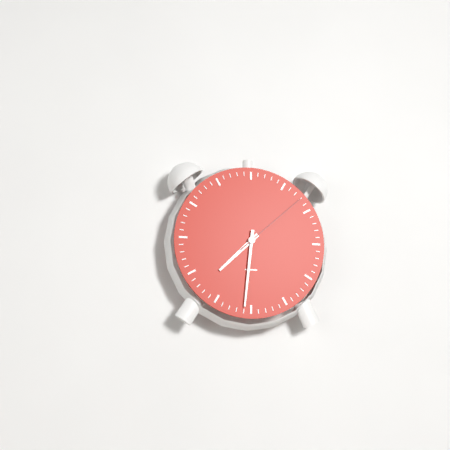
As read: 7.31.08
